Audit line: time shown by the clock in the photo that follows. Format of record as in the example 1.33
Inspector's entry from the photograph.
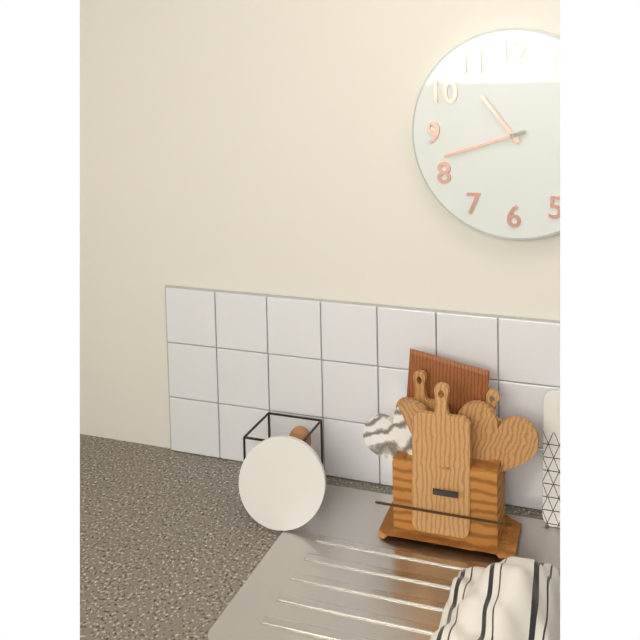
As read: 10.42
